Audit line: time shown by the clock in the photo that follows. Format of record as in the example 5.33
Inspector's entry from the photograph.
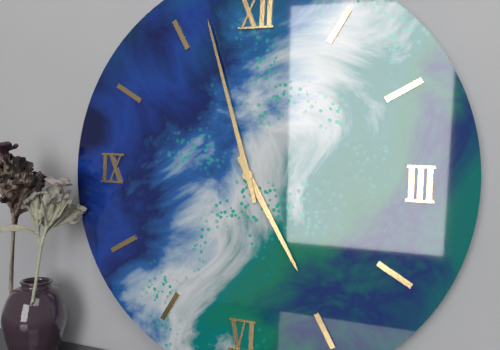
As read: 4.57
